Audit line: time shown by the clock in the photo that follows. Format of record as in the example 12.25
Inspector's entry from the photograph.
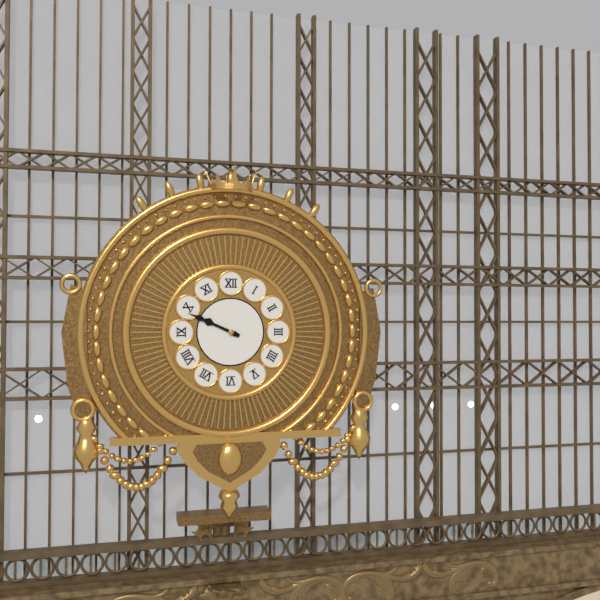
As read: 9.49
